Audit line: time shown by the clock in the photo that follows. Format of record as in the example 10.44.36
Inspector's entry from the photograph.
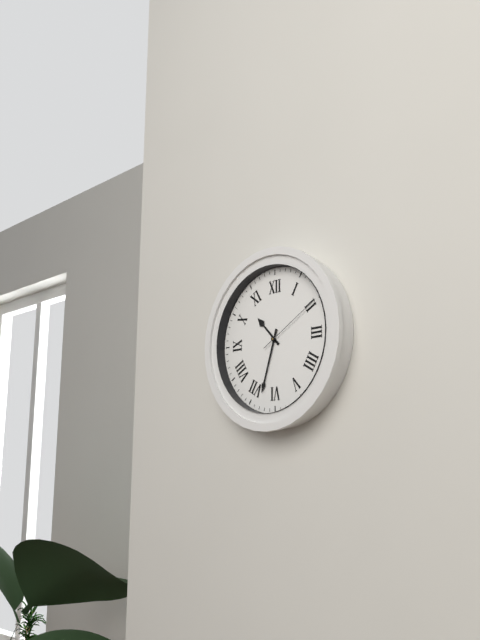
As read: 10.33.10
